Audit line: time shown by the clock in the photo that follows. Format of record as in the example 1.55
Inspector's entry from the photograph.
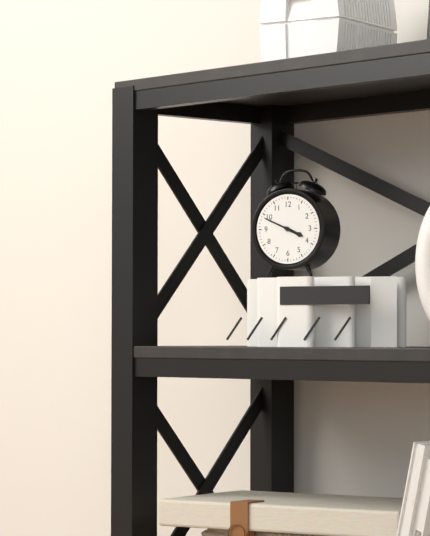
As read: 3.49
